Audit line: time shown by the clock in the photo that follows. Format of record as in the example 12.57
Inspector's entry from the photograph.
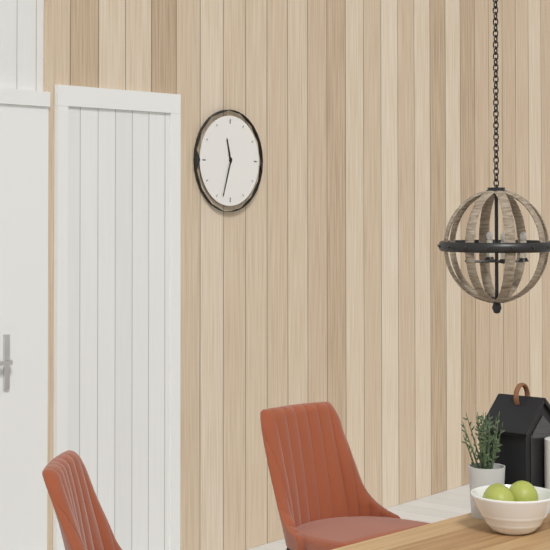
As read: 11.33
